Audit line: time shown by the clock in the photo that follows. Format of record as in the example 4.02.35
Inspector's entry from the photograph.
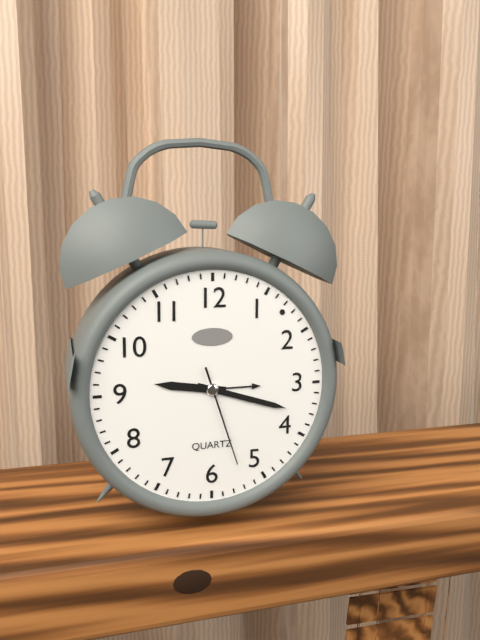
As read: 9.18.27
